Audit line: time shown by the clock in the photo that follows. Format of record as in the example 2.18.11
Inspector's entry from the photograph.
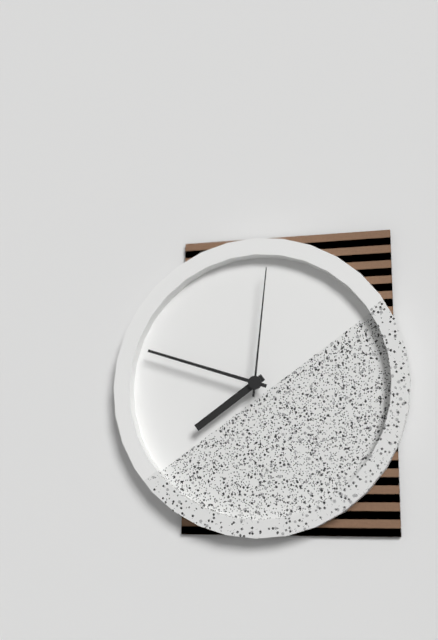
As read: 7.48.01
